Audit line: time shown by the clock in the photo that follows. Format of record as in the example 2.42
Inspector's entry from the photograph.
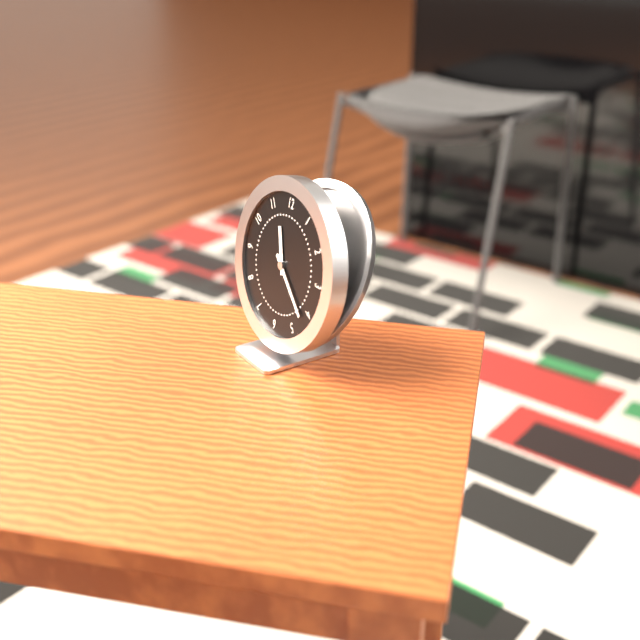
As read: 11.22
